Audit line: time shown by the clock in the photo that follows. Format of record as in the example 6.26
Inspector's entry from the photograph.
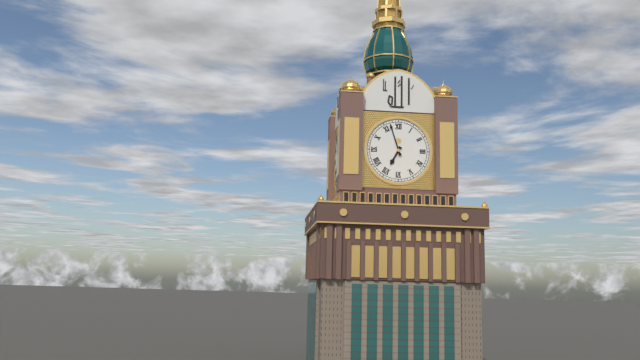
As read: 6.57
